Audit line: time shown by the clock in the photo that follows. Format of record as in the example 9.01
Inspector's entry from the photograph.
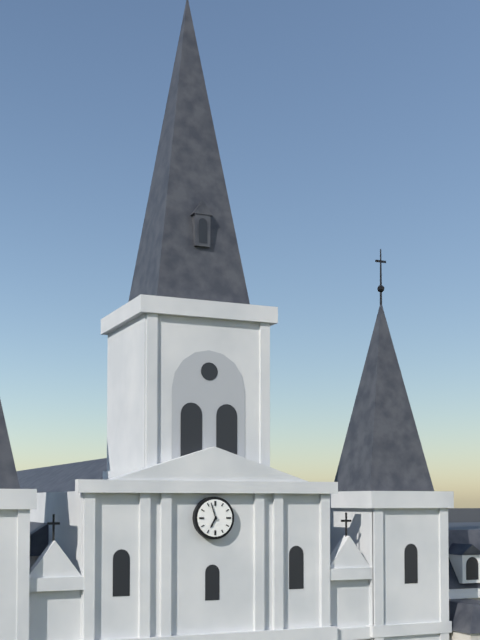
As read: 6.57
